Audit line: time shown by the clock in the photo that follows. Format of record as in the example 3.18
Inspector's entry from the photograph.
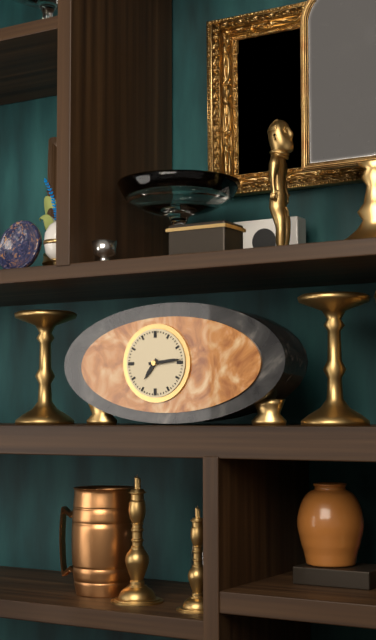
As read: 7.14
